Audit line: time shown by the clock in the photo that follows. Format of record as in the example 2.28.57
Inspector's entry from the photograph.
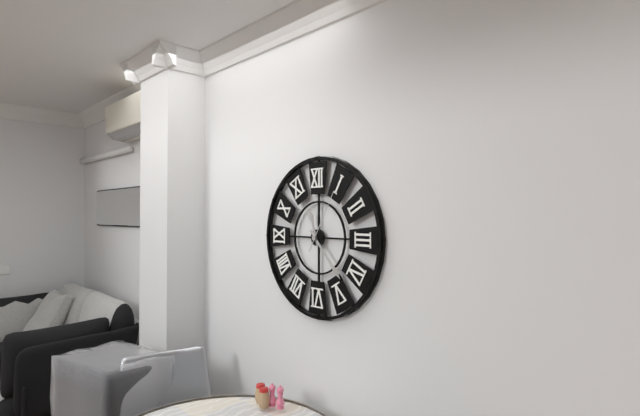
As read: 11.23.05
